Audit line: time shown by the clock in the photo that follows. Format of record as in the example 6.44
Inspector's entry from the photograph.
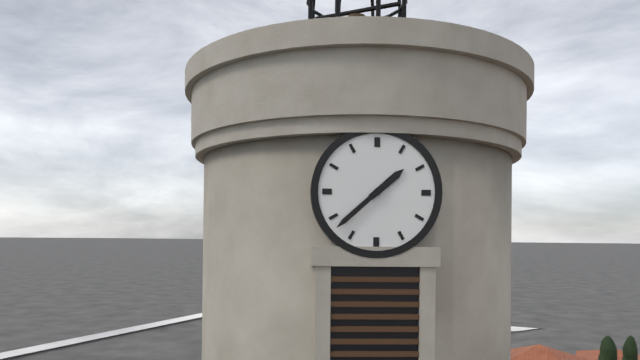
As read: 1.38
